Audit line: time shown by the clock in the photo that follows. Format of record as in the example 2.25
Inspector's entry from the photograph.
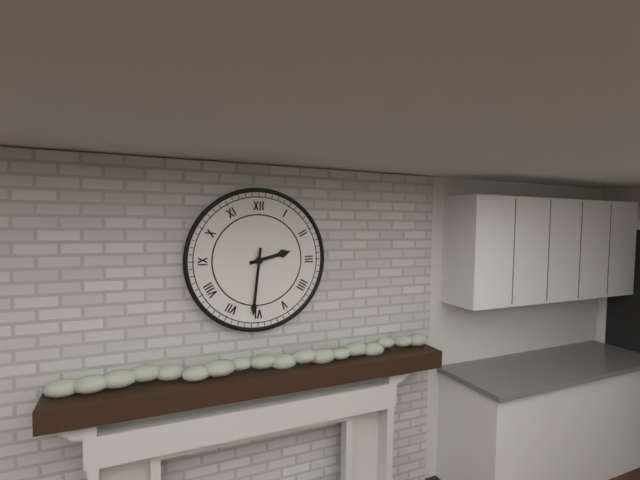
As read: 2.31
